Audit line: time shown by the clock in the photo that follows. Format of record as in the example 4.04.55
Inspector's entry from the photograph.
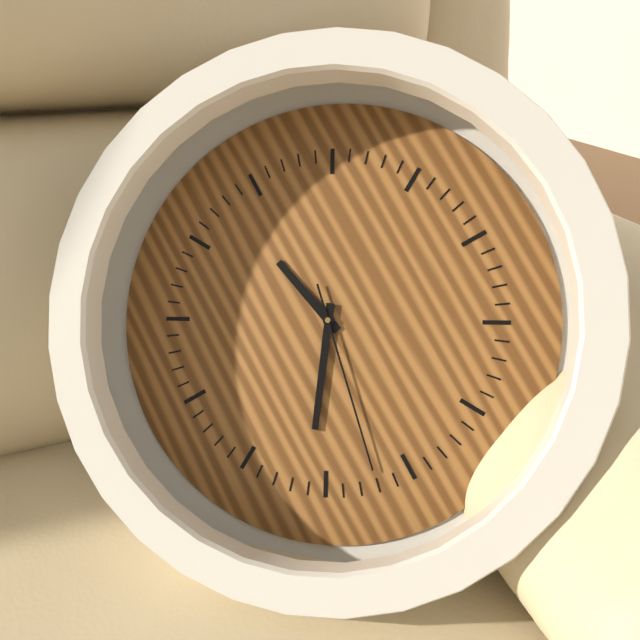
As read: 11.36.32
